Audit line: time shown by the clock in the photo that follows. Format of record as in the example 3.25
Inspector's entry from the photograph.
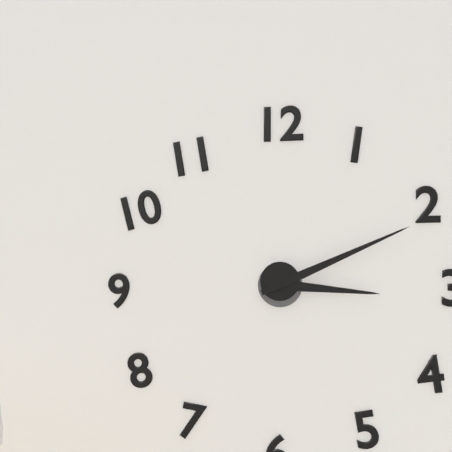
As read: 3.11
